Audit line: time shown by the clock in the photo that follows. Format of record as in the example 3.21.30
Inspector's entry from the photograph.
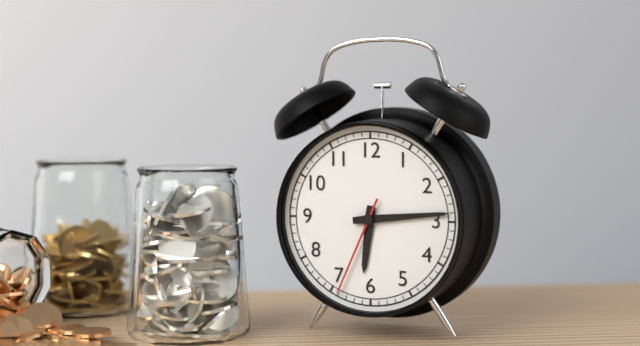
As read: 6.14.34
